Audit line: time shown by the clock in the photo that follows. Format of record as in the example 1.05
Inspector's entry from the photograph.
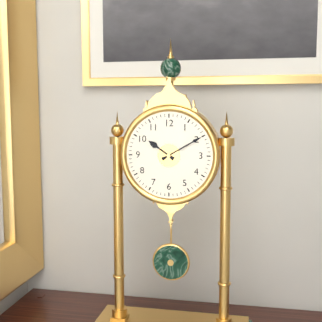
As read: 10.10
